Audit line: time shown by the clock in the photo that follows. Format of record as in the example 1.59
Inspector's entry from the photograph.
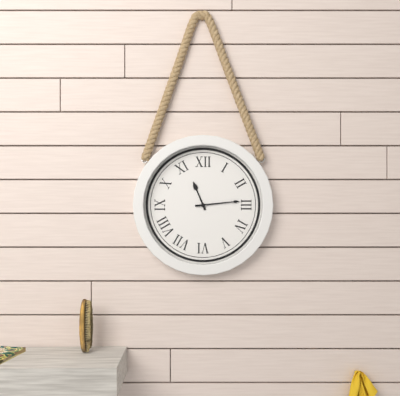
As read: 11.14
